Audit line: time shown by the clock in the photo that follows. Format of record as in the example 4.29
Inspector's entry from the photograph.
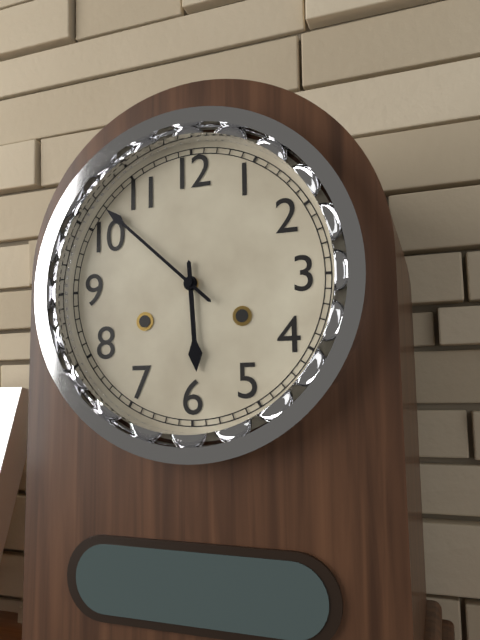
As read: 5.52
